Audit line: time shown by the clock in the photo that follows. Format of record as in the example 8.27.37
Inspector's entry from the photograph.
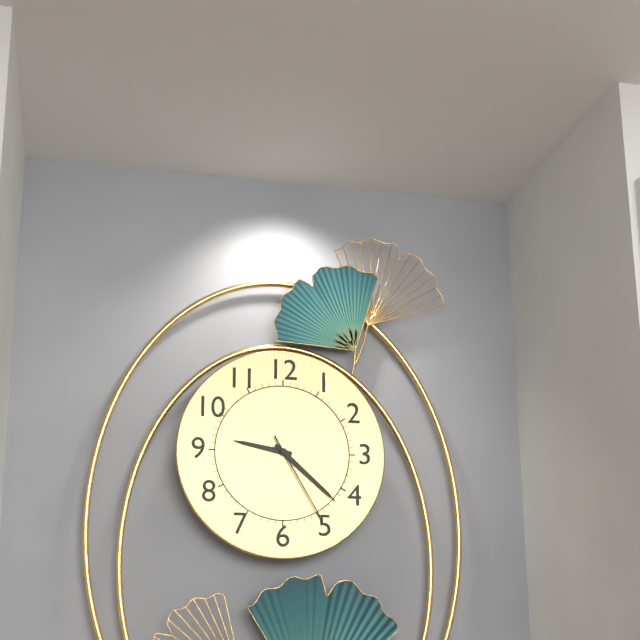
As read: 9.22.25
